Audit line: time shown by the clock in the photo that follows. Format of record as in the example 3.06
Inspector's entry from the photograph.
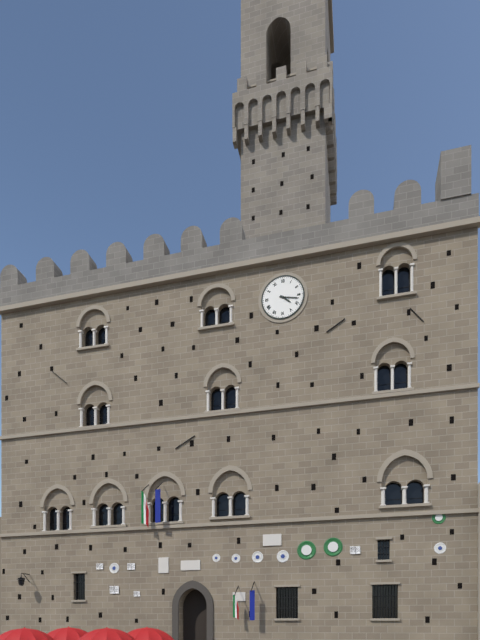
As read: 4.17
